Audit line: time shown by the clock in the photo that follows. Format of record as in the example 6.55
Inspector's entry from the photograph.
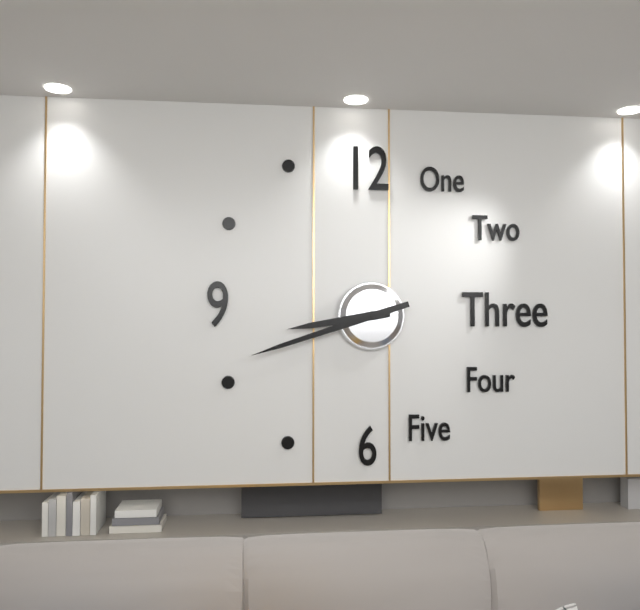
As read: 8.42
